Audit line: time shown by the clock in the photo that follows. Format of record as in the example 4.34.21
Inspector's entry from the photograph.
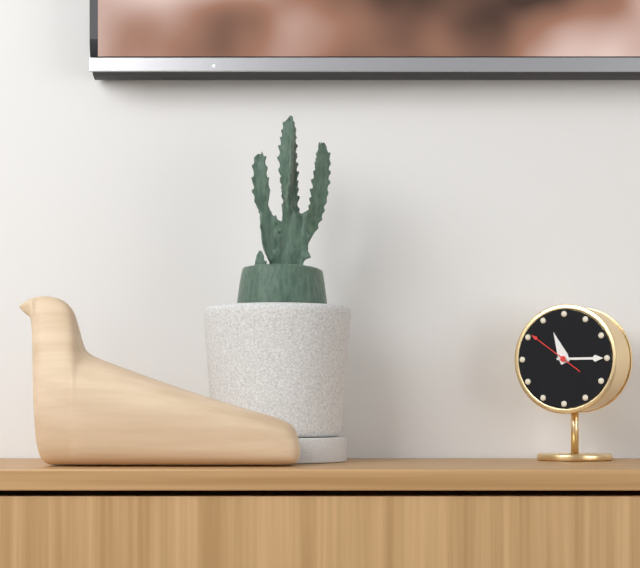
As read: 11.15.51
